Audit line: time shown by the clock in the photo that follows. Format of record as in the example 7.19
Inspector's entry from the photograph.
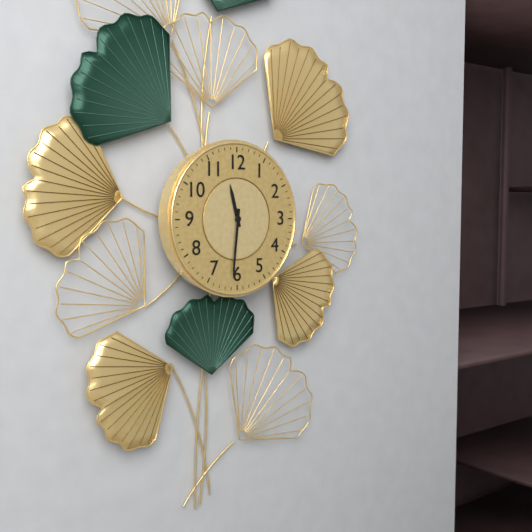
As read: 11.31
